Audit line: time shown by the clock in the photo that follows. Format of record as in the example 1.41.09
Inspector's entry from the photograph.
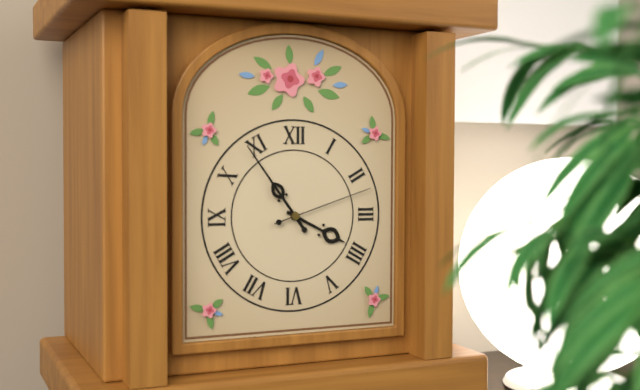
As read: 3.54.12
